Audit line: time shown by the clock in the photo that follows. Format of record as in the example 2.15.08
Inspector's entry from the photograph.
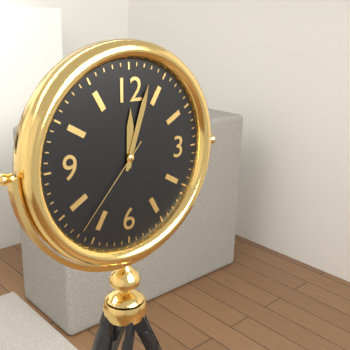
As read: 12.03.37
